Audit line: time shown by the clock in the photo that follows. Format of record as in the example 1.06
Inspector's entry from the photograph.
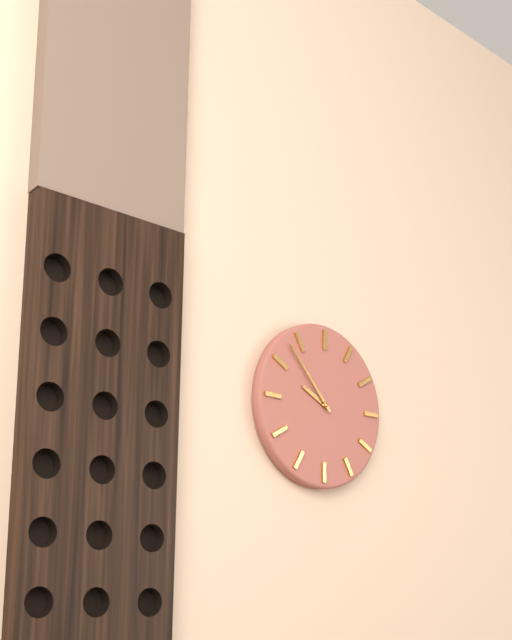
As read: 9.53
